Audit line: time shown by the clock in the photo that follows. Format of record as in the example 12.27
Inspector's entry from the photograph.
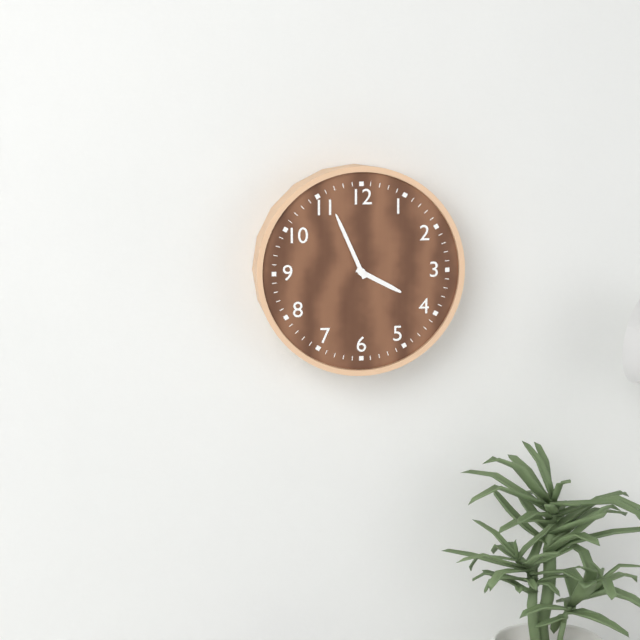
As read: 3.56
